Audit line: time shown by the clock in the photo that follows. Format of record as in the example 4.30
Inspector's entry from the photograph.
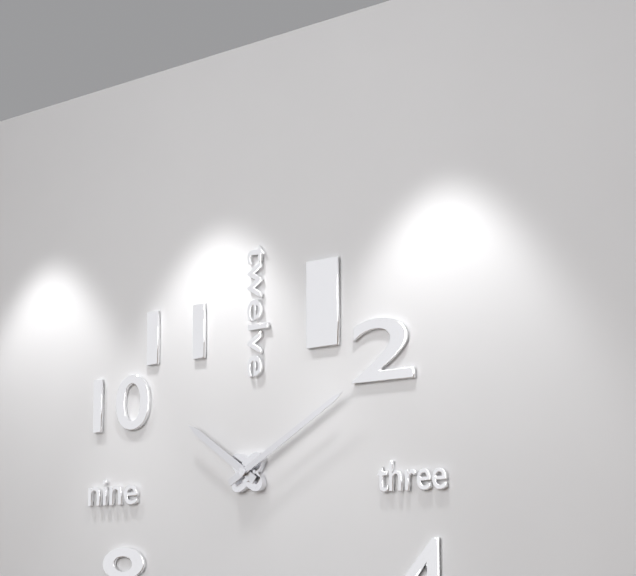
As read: 10.10
